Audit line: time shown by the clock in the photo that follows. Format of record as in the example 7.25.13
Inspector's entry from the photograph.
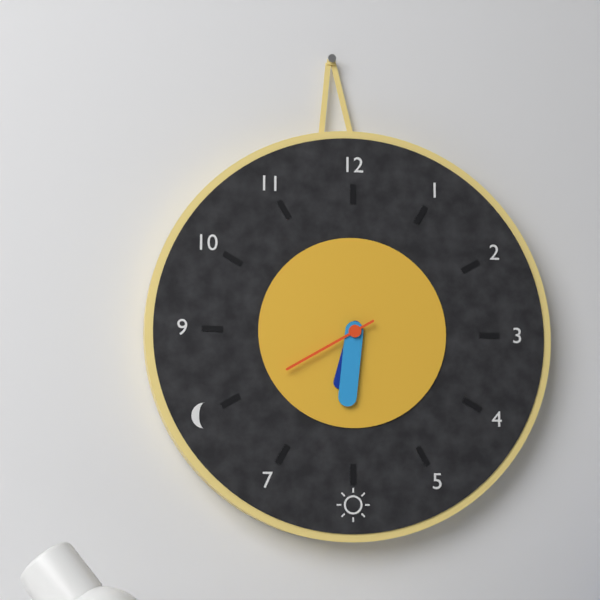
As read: 6.31.40
